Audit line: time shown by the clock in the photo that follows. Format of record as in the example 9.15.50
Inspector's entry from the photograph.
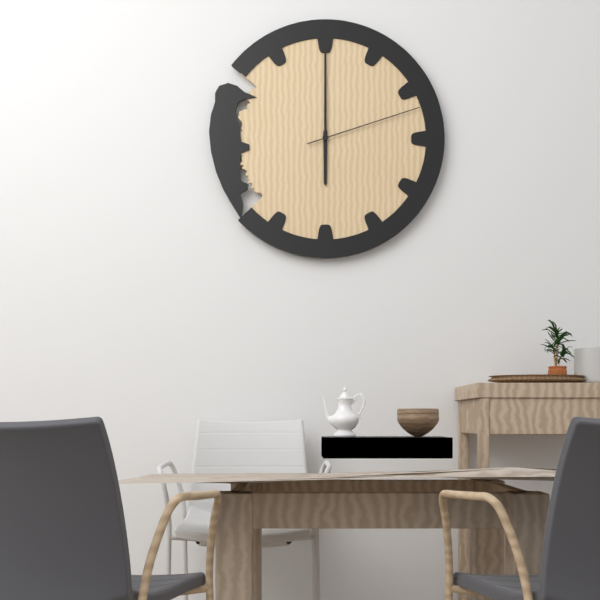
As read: 6.00.12
